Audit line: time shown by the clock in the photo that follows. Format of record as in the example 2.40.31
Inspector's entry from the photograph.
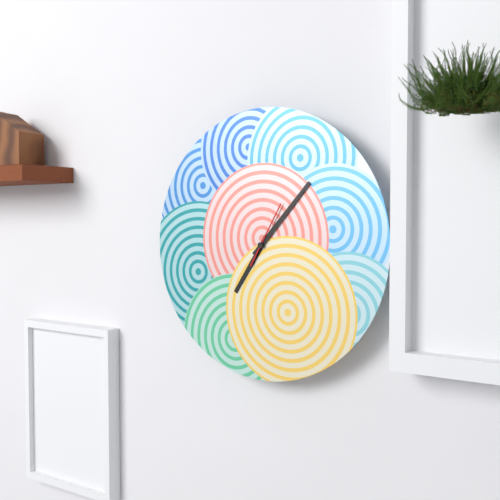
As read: 7.07.05
